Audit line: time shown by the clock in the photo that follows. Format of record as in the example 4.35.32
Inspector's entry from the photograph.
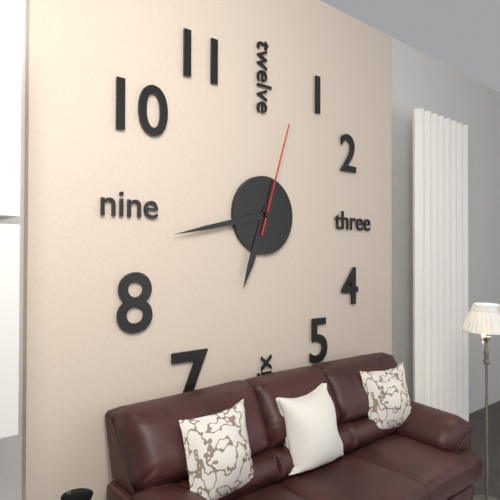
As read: 6.43.03
